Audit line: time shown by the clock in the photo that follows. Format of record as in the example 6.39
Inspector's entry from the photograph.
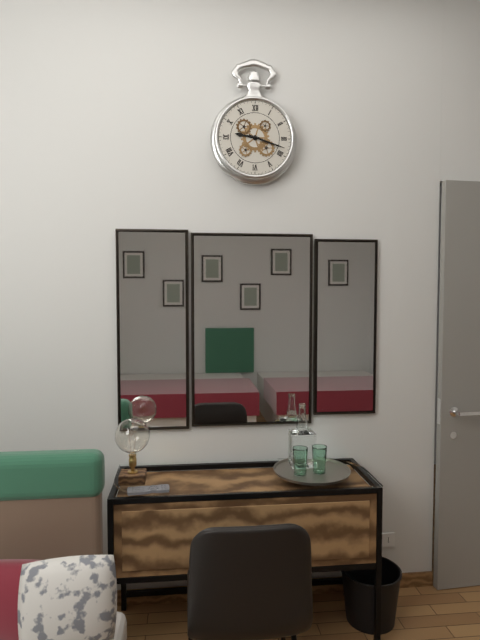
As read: 9.18
